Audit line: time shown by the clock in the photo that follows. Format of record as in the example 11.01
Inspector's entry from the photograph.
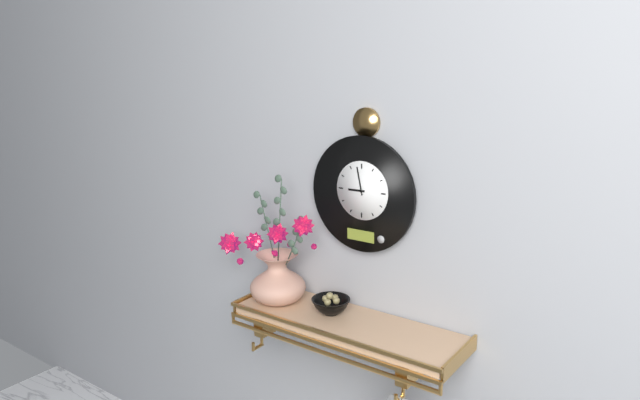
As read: 8.58
